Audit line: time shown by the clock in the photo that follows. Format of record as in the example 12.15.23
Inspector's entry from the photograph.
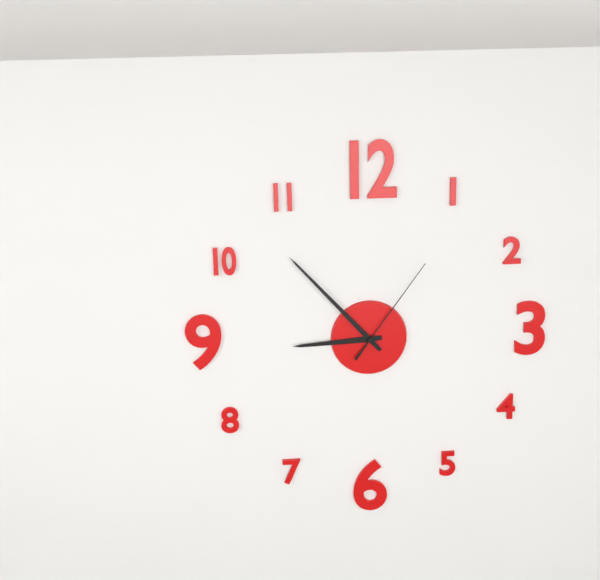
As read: 8.53.06
